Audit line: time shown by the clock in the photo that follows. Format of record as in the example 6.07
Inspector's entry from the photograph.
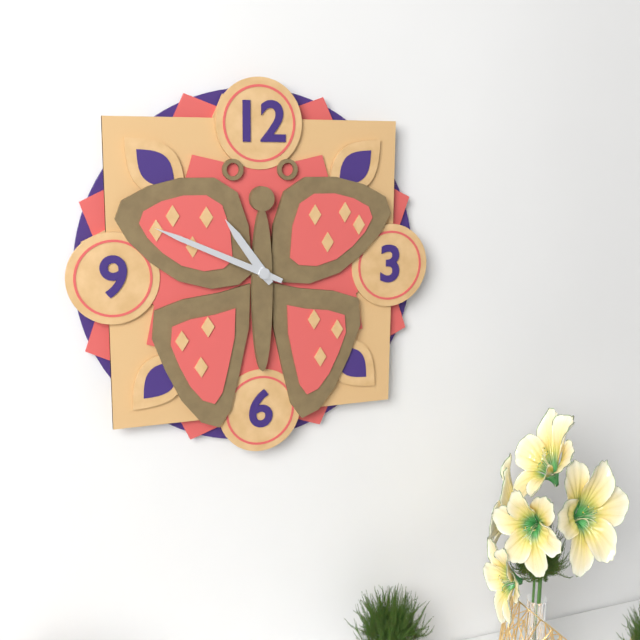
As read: 10.49
